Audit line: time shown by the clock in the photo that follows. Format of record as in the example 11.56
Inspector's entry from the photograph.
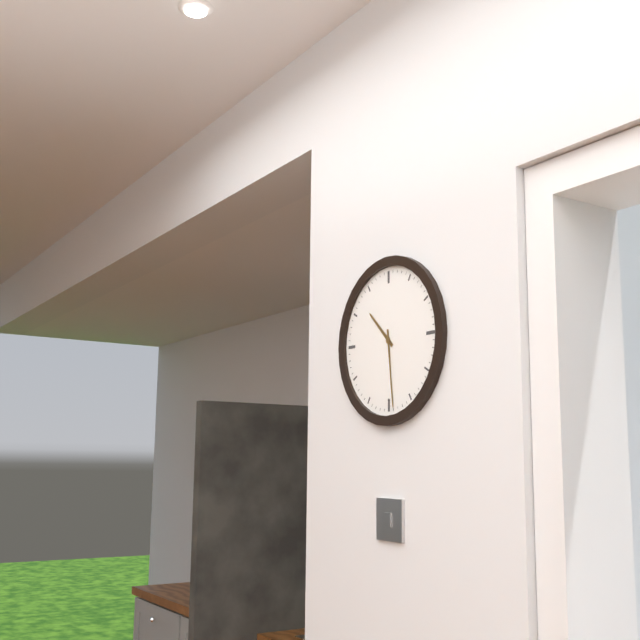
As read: 10.29
